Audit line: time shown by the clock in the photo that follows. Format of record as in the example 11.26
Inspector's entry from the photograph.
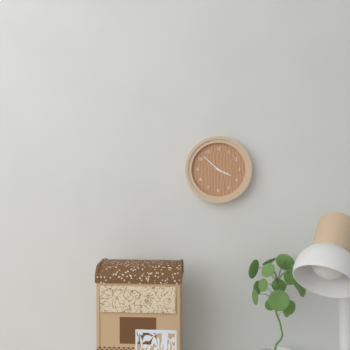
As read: 3.52
